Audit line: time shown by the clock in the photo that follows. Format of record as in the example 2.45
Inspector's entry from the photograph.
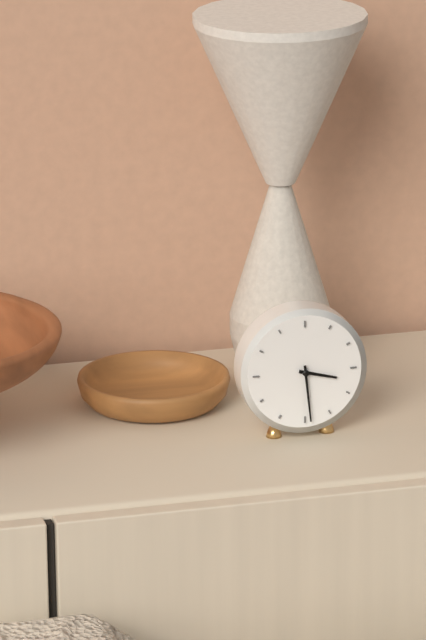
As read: 3.29
